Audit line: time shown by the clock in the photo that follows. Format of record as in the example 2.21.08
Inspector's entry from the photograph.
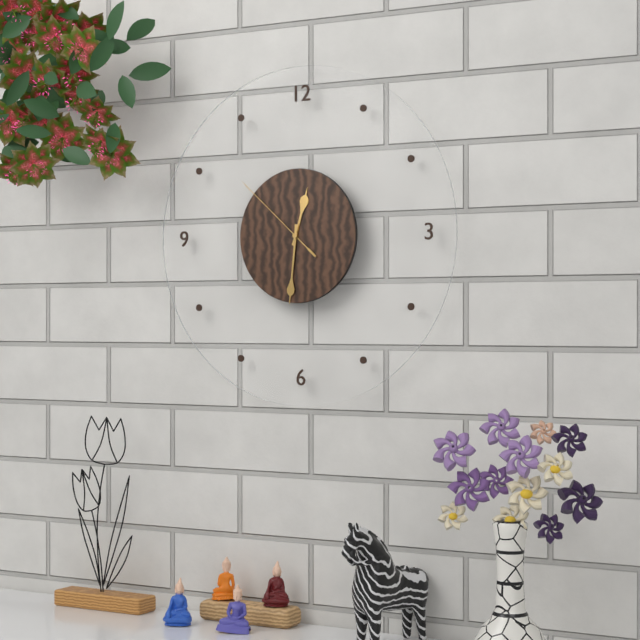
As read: 12.31.52
